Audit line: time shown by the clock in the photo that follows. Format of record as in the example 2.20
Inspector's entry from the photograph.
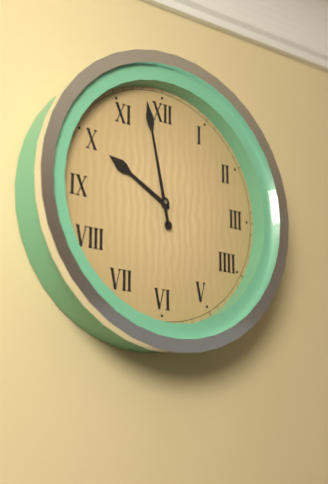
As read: 9.58
